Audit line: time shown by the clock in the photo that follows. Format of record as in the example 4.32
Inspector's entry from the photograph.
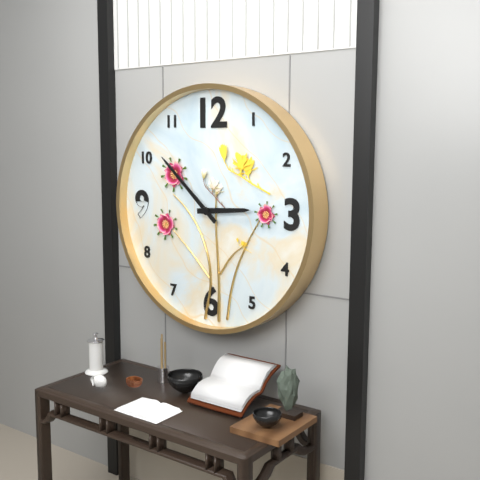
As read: 2.52
